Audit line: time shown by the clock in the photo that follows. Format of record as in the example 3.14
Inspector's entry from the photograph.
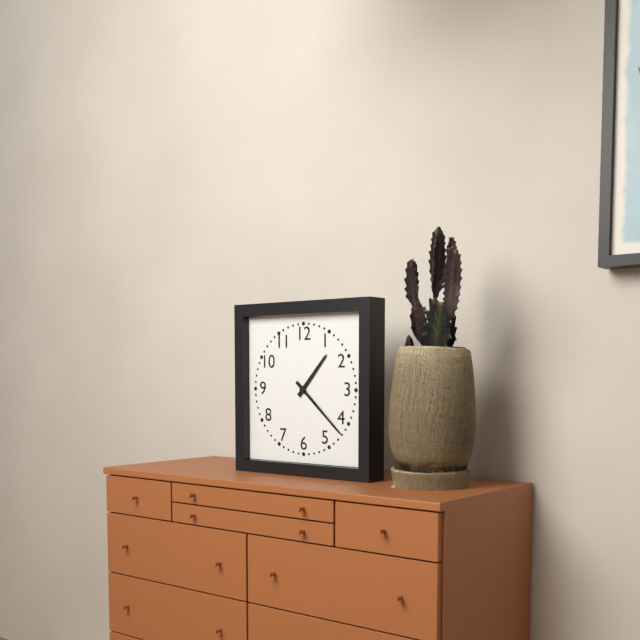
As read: 1.22
